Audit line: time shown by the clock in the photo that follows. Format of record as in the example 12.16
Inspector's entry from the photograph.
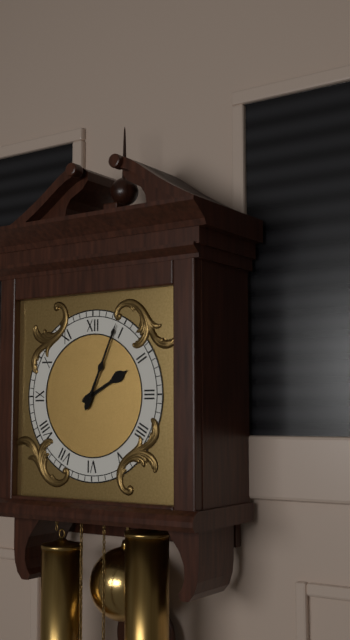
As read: 2.04
